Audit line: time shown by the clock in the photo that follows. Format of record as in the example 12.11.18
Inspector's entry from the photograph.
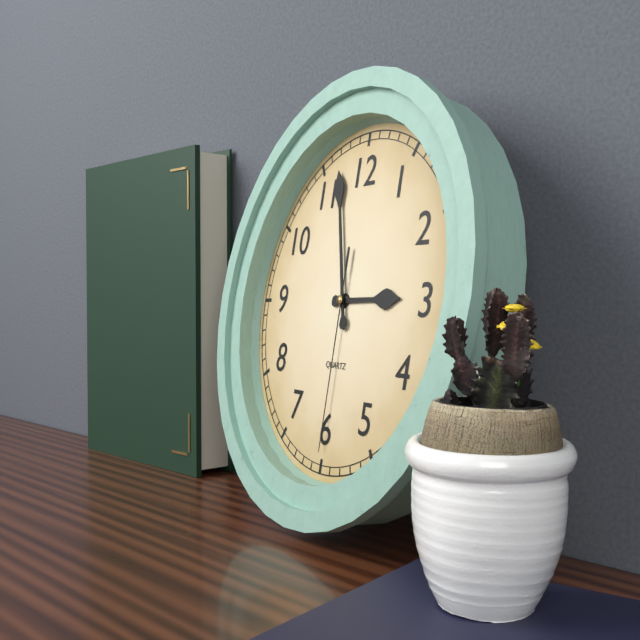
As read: 2.57.30
